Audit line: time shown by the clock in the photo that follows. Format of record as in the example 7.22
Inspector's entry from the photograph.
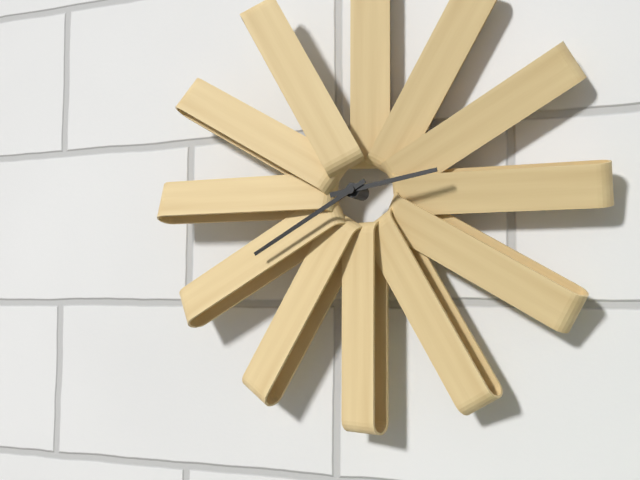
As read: 2.40
